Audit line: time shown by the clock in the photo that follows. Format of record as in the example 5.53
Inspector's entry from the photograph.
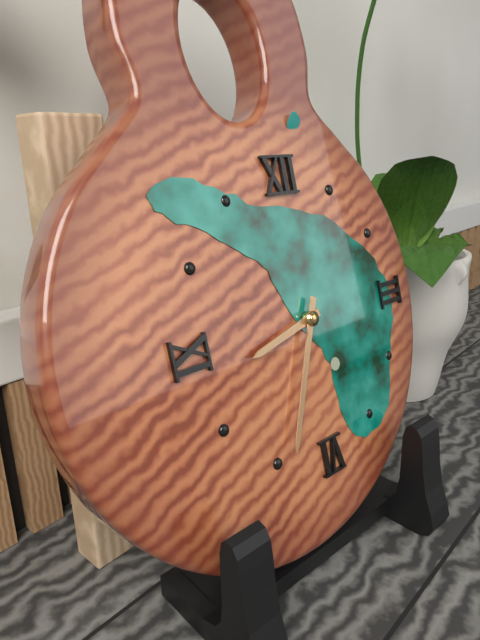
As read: 8.34
